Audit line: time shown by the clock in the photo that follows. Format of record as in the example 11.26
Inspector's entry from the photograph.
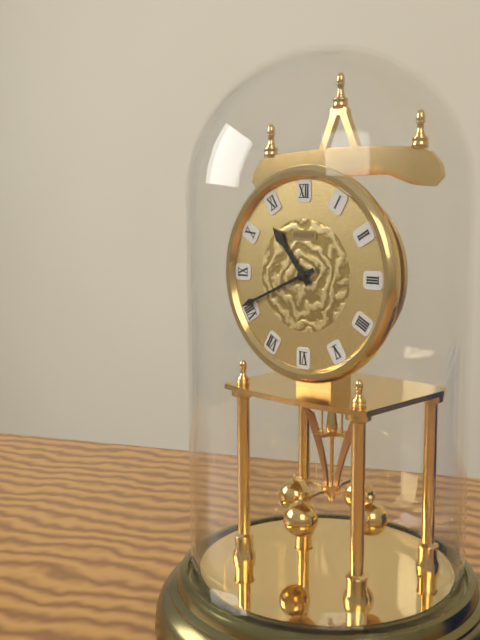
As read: 10.41
